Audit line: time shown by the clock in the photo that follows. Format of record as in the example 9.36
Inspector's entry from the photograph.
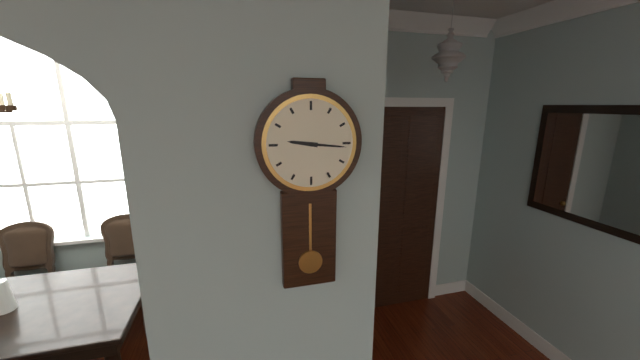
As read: 9.16
